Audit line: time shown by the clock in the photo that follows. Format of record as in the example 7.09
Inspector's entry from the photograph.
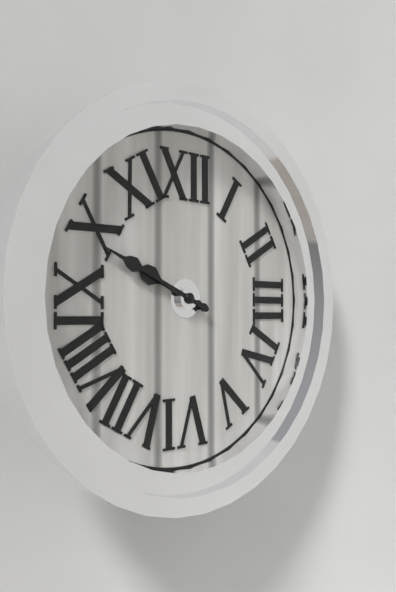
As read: 9.49
